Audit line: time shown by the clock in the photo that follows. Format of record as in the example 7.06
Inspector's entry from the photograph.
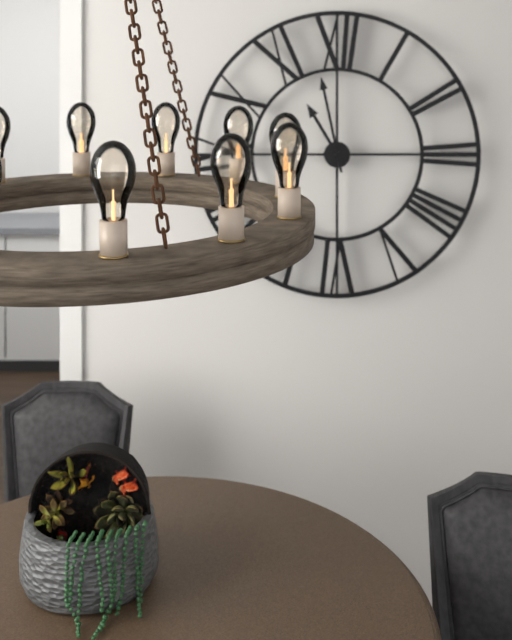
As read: 10.58
